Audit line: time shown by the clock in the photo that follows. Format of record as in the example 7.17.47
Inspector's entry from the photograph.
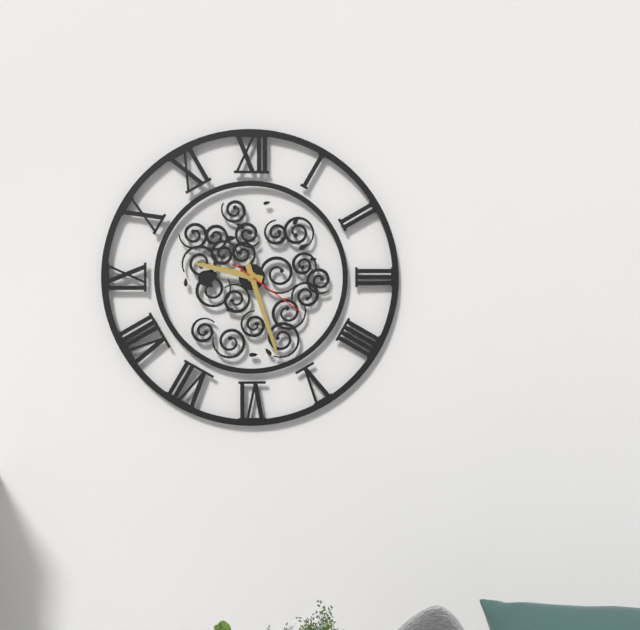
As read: 9.27.21
